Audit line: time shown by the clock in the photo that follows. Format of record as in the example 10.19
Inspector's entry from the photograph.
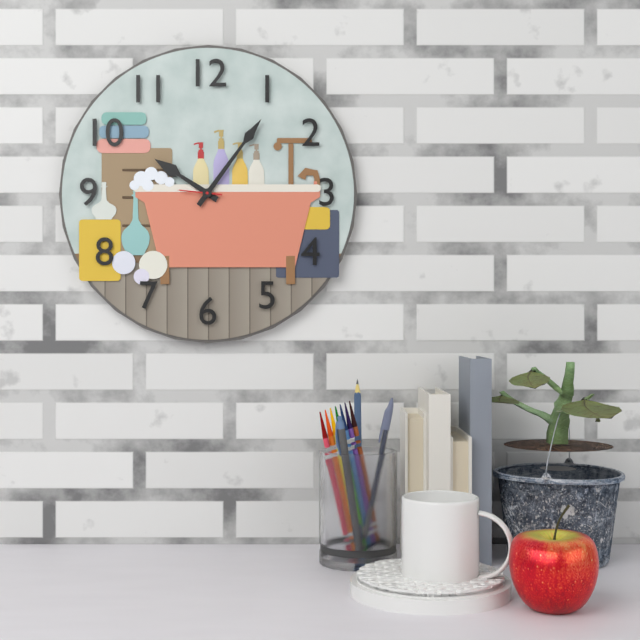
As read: 10.06
